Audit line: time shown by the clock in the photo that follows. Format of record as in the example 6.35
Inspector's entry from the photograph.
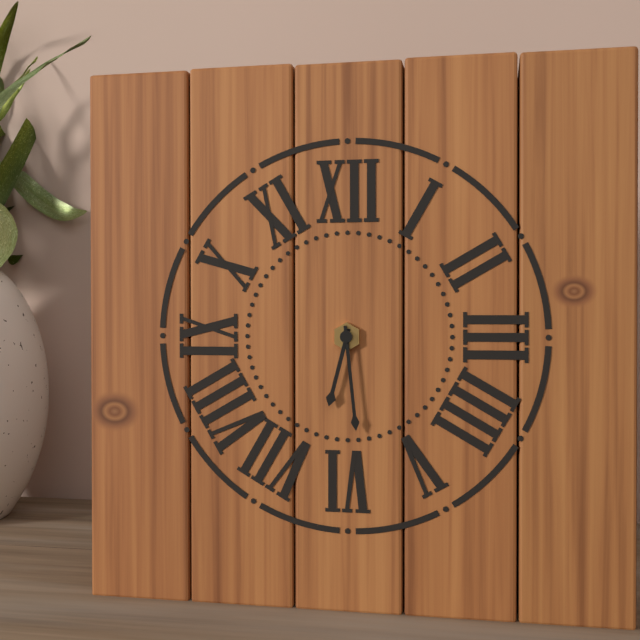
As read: 6.29
